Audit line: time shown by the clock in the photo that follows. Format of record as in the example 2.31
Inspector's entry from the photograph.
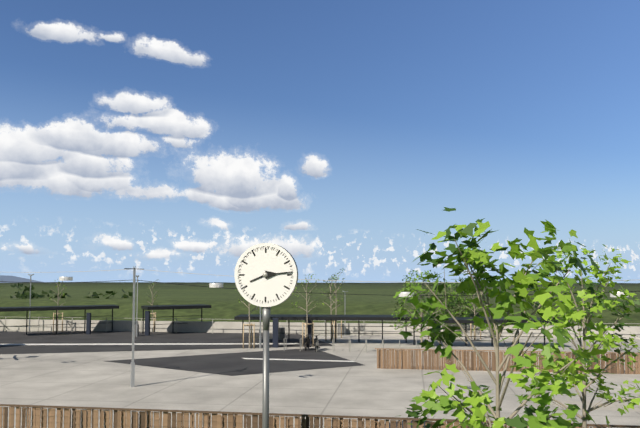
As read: 8.14
